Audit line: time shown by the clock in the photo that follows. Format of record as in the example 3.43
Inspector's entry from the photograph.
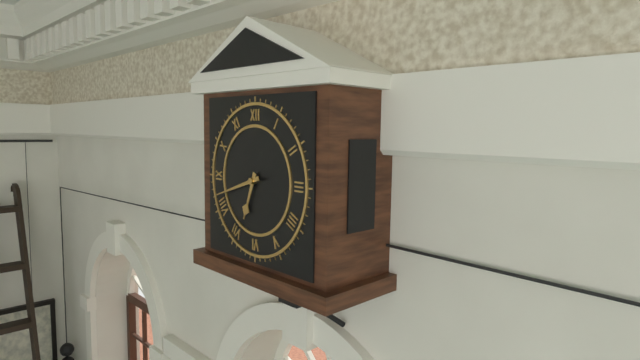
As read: 6.42
